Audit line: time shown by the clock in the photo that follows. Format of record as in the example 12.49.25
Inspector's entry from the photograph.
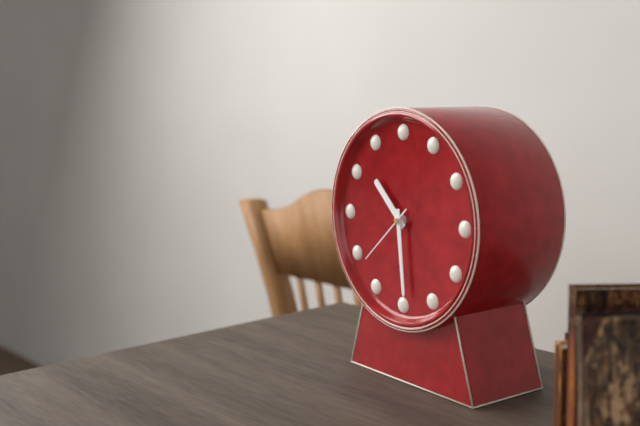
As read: 10.29.38
